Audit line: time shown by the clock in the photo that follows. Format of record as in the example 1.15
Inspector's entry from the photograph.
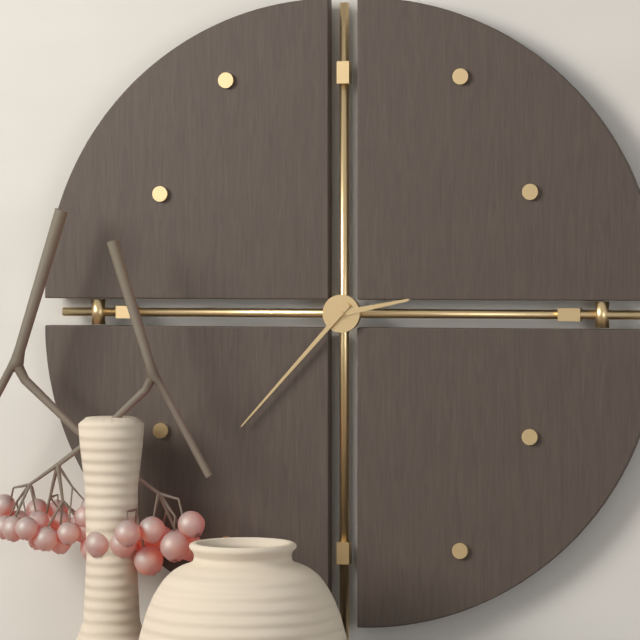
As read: 2.37
